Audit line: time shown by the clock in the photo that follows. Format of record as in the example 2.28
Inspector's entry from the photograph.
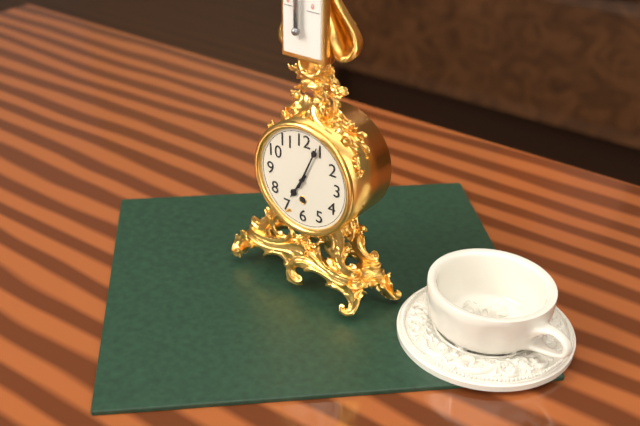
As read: 7.04
